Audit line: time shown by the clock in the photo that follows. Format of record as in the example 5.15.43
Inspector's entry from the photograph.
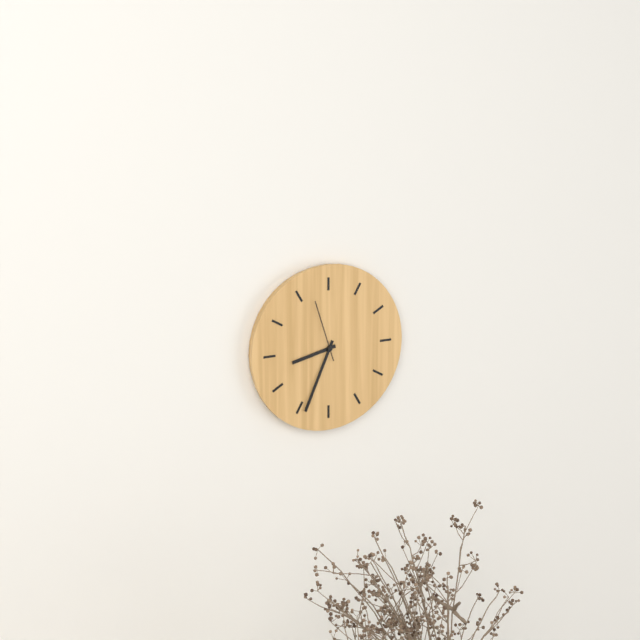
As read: 8.34.57
